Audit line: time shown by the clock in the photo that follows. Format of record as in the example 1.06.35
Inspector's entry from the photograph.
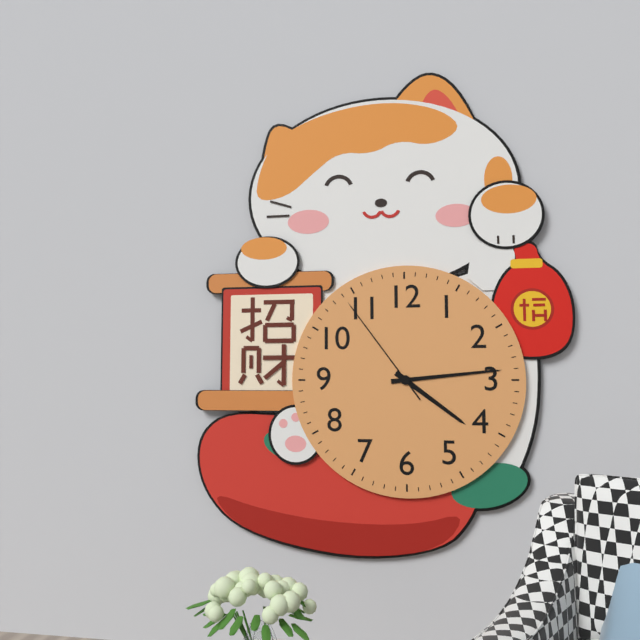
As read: 4.14.54
